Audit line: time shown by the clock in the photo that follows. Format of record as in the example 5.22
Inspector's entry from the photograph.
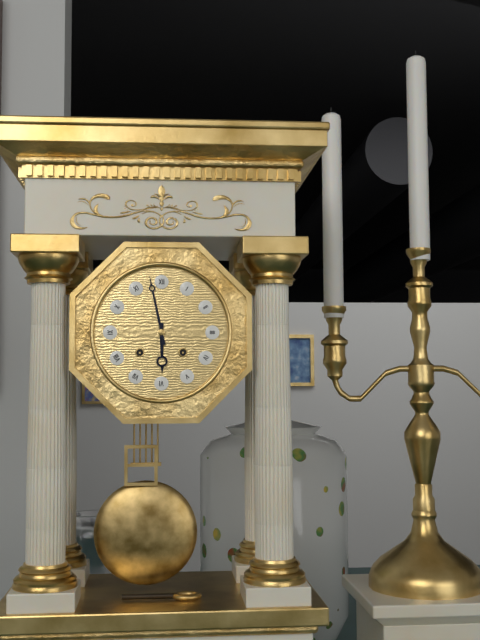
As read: 5.58
